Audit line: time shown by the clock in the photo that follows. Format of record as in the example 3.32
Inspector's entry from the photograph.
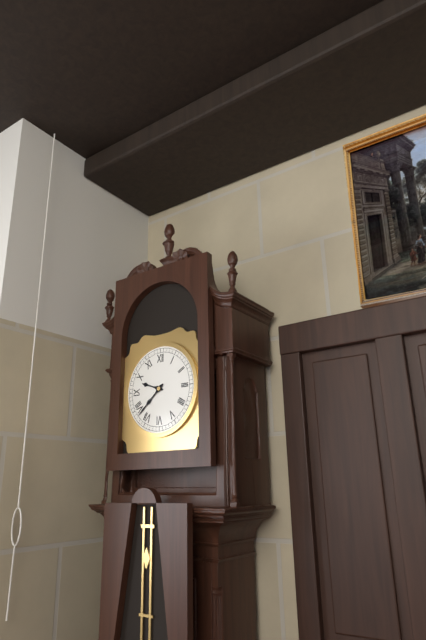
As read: 9.38
